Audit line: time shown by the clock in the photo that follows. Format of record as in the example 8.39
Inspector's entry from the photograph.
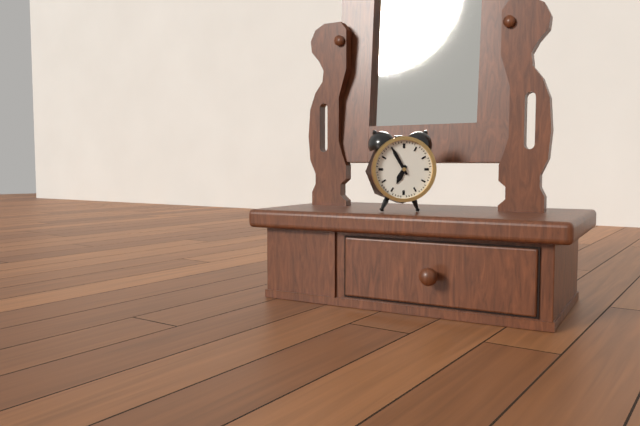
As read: 6.55
